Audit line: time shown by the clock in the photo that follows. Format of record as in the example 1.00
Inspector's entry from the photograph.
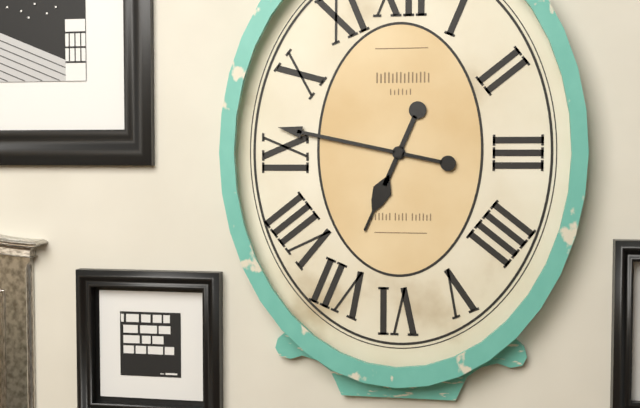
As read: 6.47
